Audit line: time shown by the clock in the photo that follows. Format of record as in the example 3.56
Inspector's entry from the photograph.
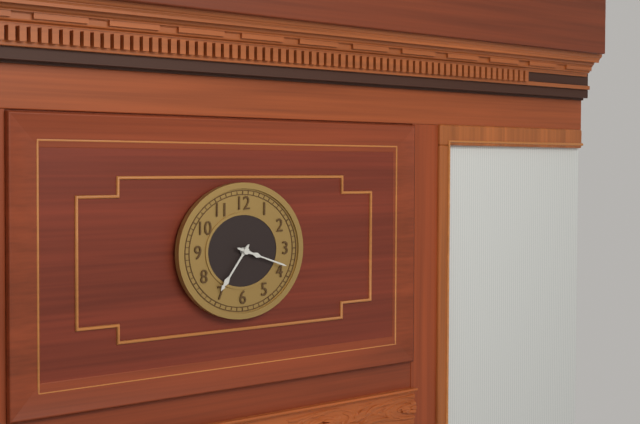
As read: 7.18
